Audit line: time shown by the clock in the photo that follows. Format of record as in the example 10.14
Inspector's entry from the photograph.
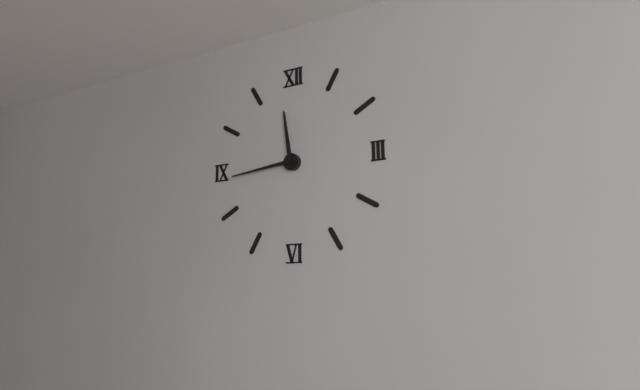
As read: 11.44
